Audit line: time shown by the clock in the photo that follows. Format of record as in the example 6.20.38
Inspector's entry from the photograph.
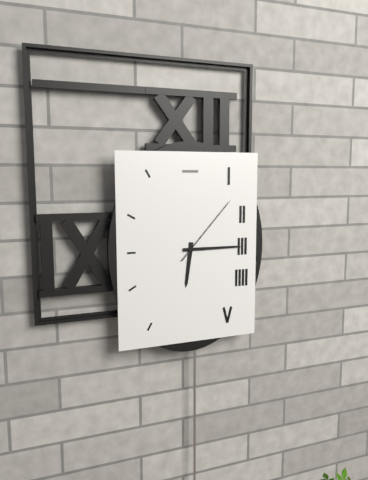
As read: 6.15.07
